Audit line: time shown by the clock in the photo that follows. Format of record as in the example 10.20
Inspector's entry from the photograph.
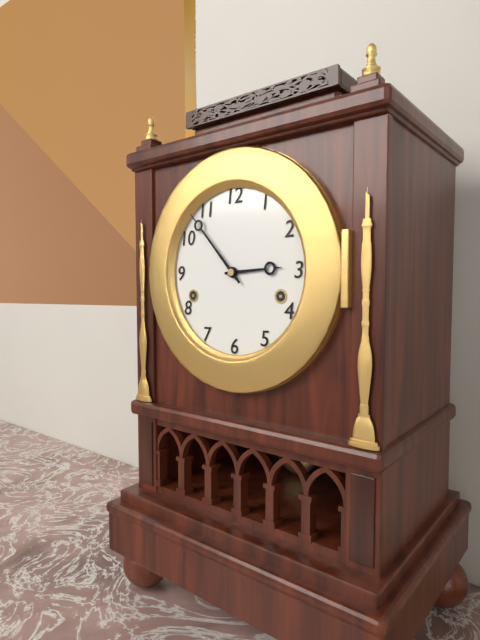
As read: 2.53
